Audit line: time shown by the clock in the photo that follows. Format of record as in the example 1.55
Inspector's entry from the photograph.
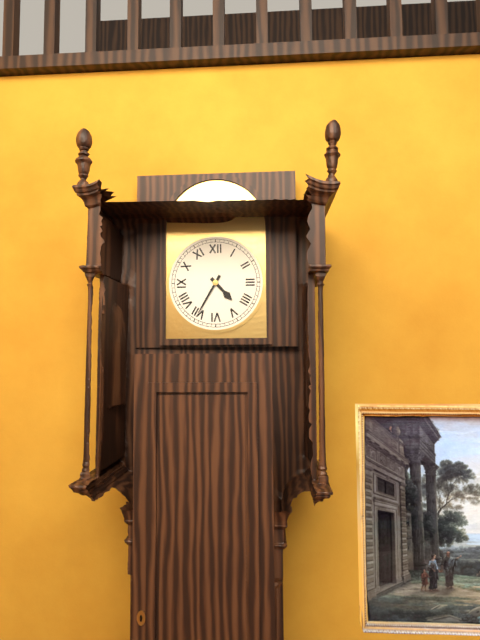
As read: 4.35
